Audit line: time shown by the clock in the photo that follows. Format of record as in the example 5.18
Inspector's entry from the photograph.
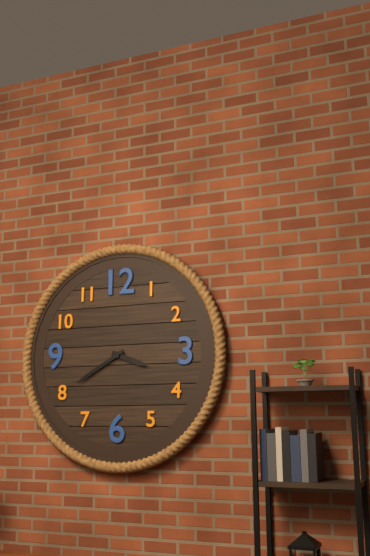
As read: 3.40
